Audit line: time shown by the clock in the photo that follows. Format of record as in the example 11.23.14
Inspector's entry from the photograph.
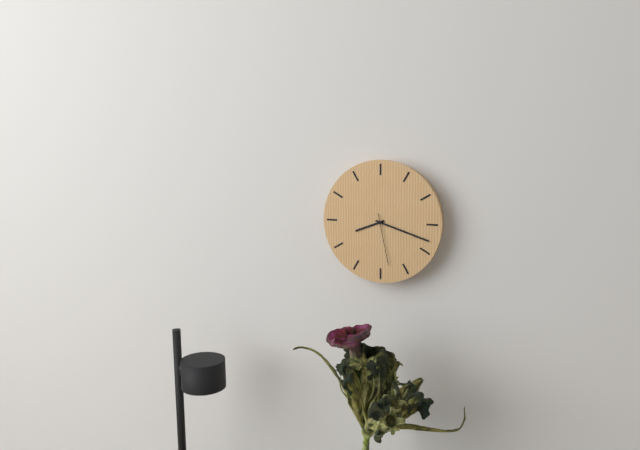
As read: 8.18.28
